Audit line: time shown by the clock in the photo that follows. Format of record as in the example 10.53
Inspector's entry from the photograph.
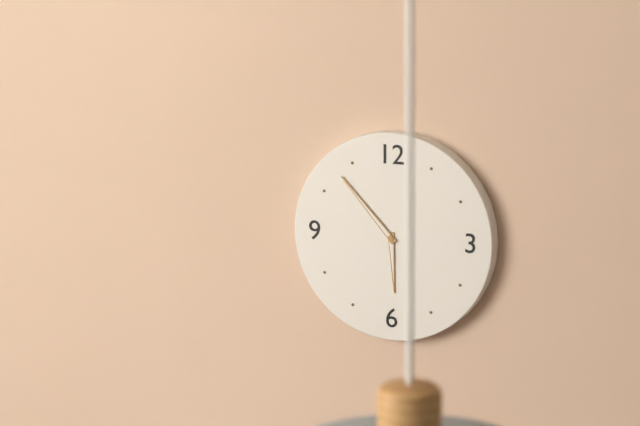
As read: 5.53
